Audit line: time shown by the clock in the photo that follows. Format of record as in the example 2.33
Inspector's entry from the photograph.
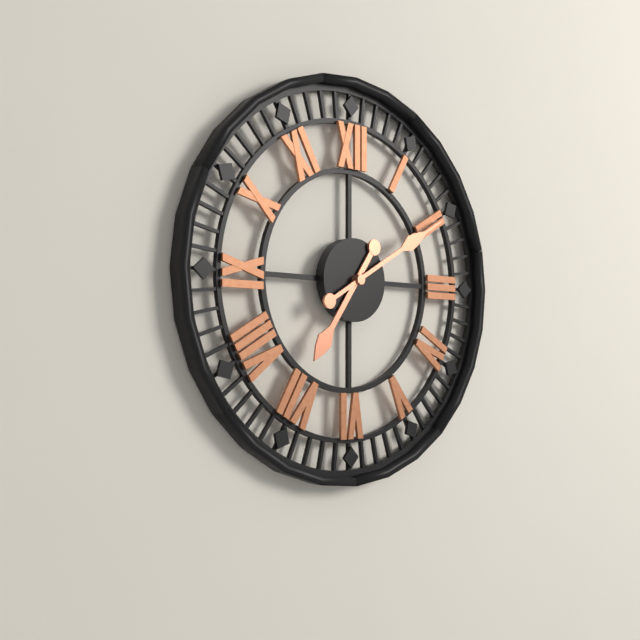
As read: 7.10
